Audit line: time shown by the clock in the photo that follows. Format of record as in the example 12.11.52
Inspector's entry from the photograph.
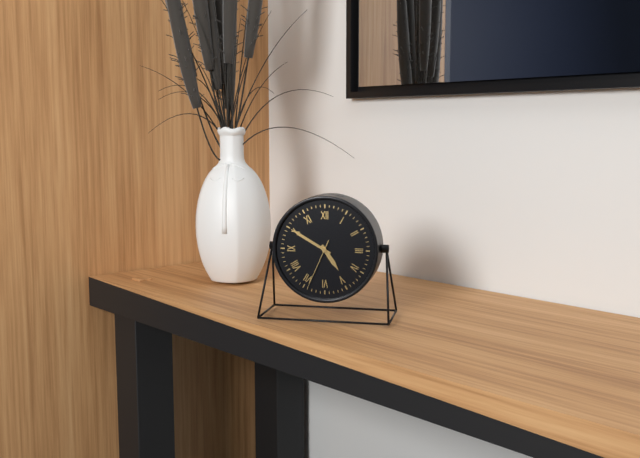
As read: 4.50.34
